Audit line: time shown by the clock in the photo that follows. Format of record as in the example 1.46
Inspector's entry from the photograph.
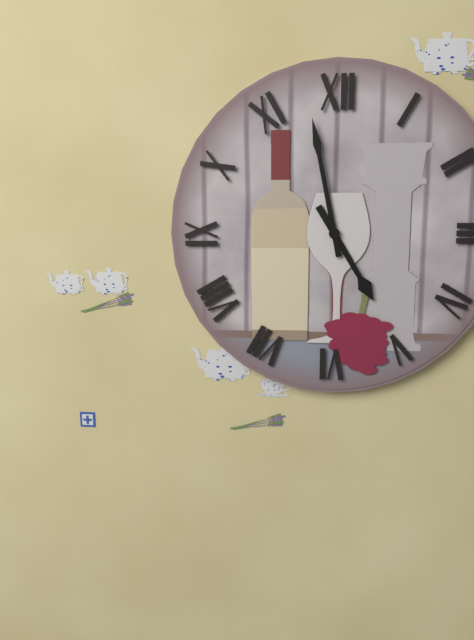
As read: 4.58
